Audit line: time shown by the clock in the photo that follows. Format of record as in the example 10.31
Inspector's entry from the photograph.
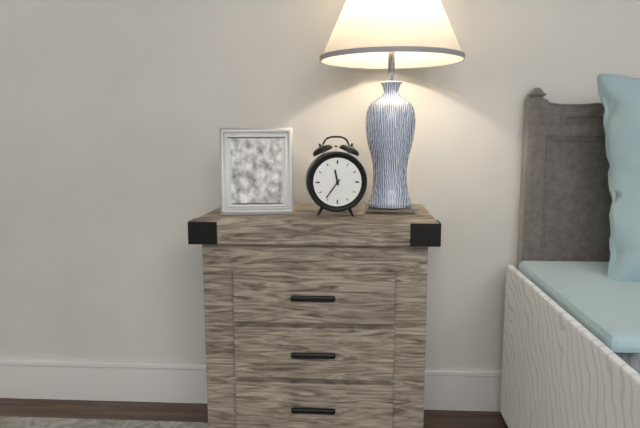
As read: 11.36
